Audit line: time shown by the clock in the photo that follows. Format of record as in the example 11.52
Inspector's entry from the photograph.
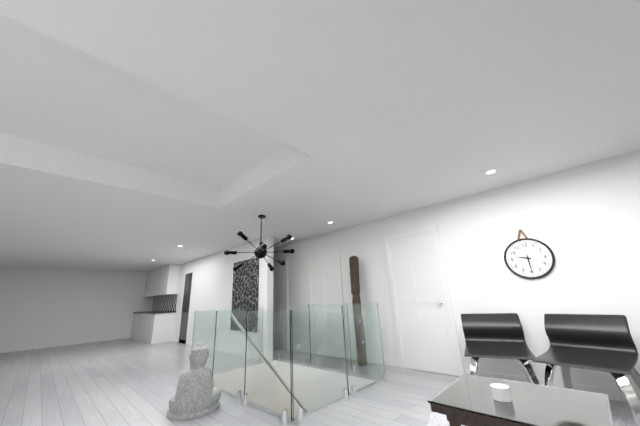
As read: 9.30
